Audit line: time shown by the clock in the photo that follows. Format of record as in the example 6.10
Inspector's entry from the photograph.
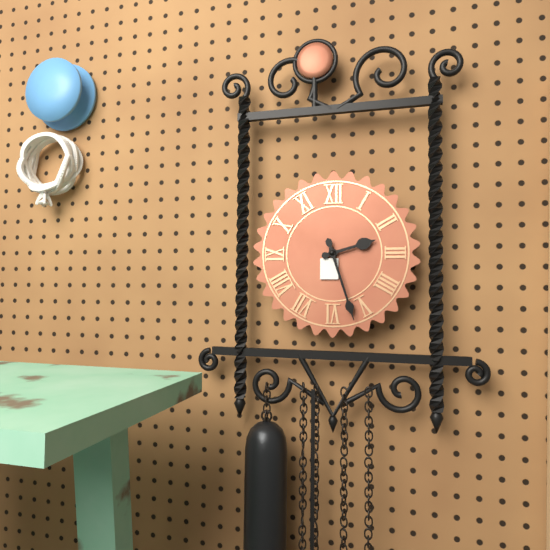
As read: 2.27
